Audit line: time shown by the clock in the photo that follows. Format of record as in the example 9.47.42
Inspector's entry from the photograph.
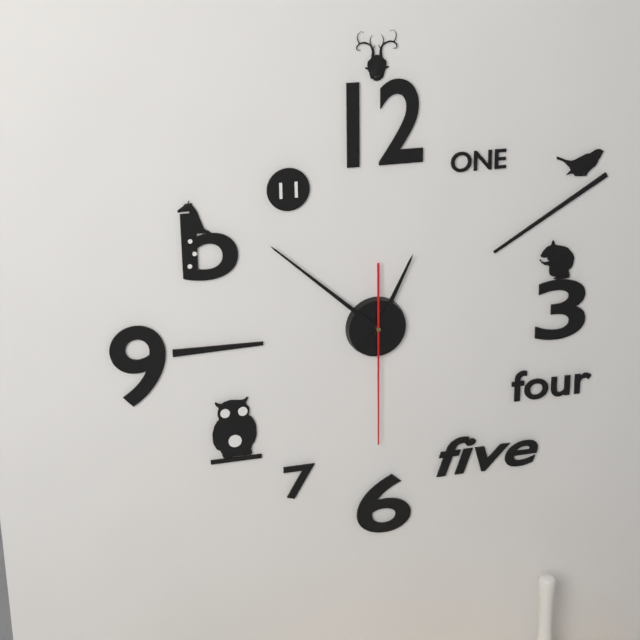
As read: 12.52.30
